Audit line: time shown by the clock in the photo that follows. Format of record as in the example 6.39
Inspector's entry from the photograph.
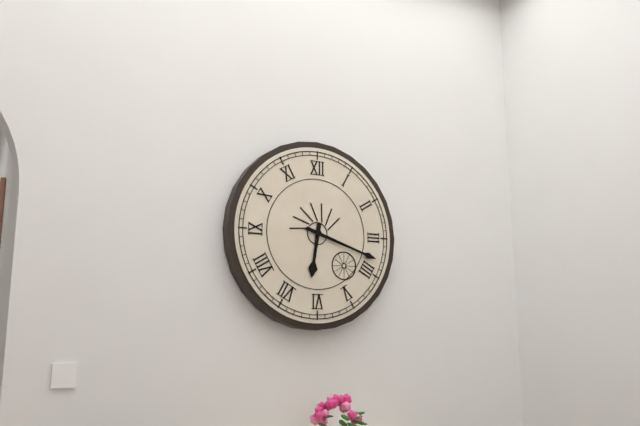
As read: 6.18
